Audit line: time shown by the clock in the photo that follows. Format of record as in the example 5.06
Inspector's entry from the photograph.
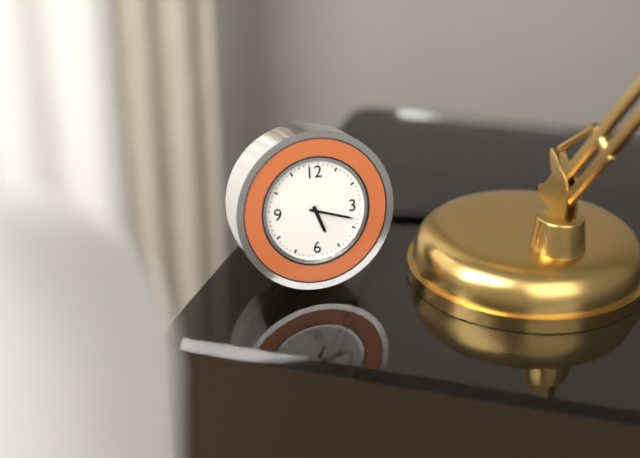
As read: 5.18
